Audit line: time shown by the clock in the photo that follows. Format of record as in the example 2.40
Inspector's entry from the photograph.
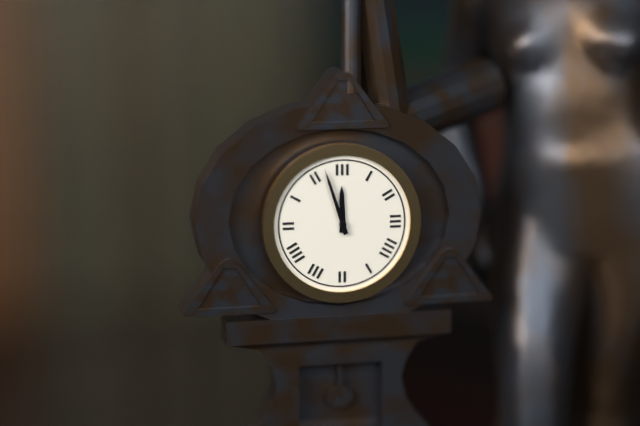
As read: 11.57
